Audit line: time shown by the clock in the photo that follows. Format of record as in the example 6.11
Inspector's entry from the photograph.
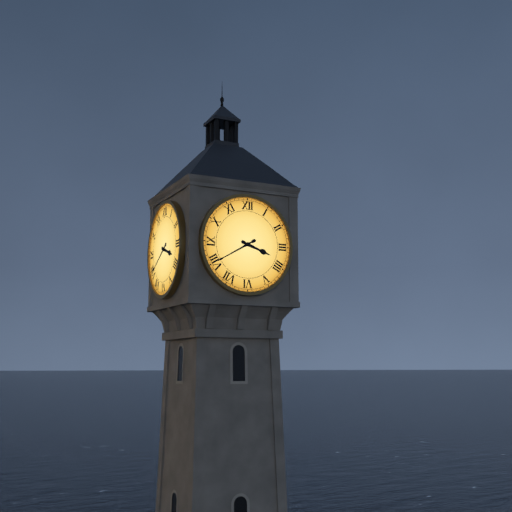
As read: 3.40
